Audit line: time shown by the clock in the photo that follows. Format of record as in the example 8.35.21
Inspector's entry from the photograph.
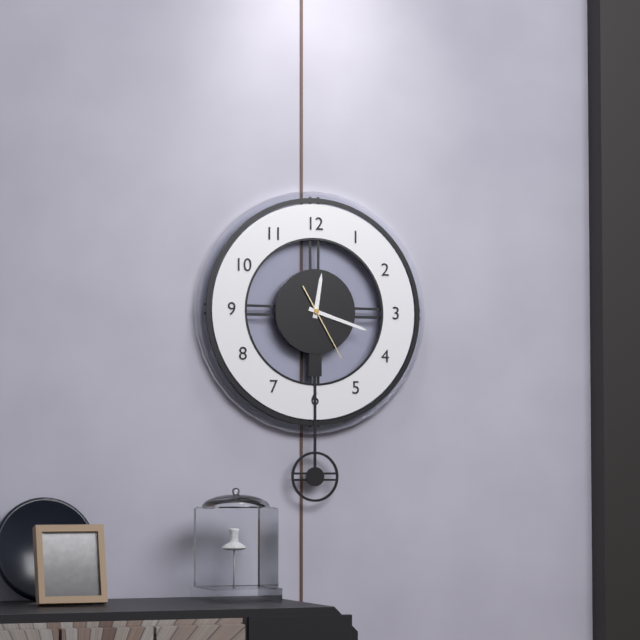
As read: 12.18.25
